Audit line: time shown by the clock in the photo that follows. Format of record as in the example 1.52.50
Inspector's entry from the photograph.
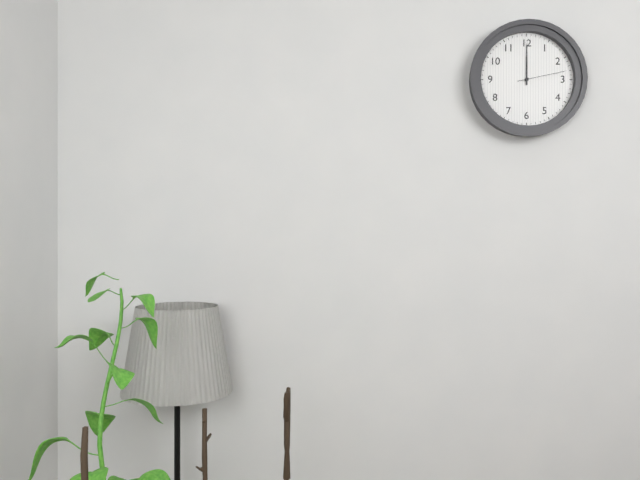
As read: 12.00.13
